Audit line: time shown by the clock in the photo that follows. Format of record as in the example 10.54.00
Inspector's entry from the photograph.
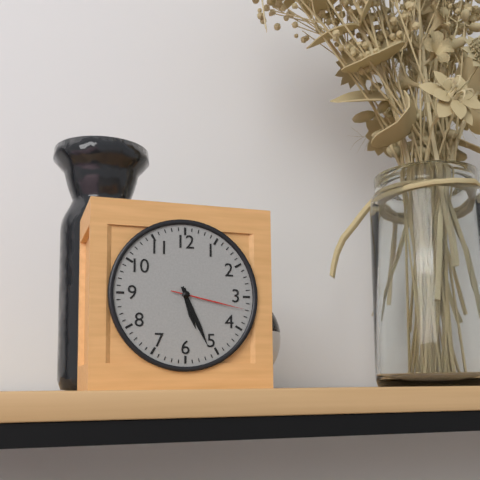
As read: 5.26.17
